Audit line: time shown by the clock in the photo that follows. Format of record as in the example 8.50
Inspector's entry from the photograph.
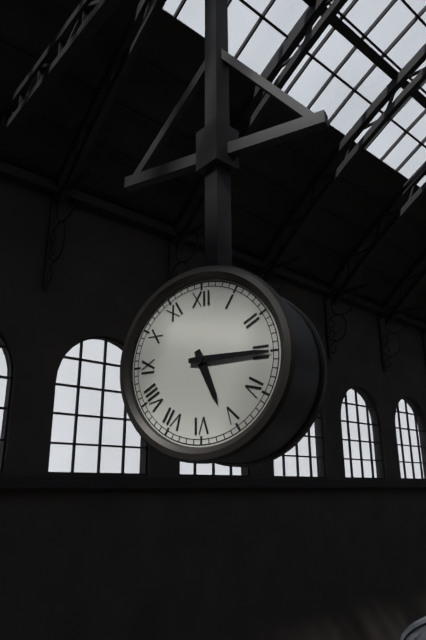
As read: 5.15
